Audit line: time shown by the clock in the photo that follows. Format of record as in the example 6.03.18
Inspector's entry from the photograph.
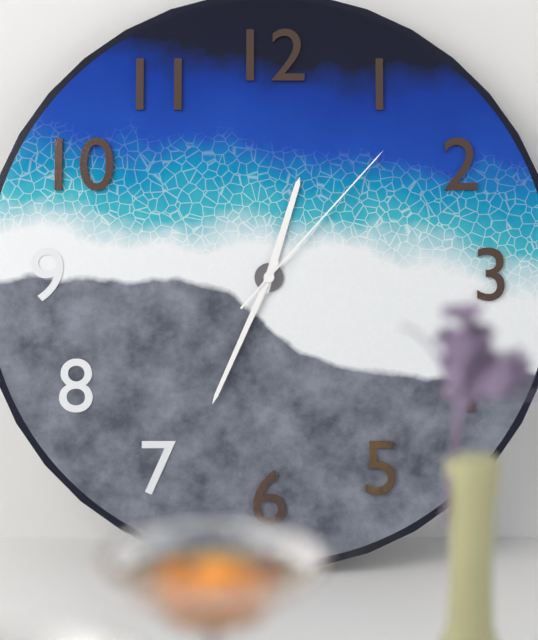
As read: 12.34.07
